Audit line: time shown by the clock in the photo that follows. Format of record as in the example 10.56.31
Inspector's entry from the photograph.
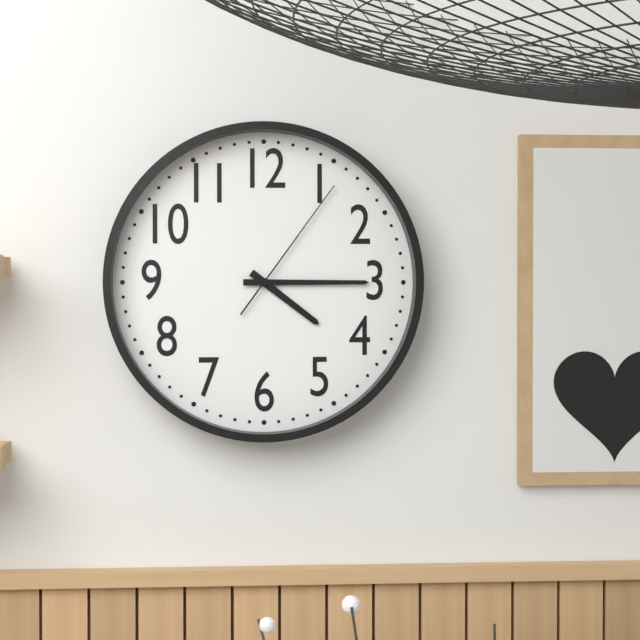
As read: 4.15.06
